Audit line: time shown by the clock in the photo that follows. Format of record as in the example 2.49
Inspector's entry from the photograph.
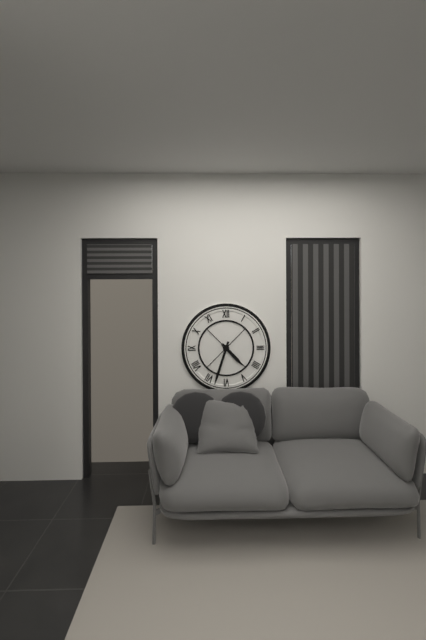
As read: 4.33
